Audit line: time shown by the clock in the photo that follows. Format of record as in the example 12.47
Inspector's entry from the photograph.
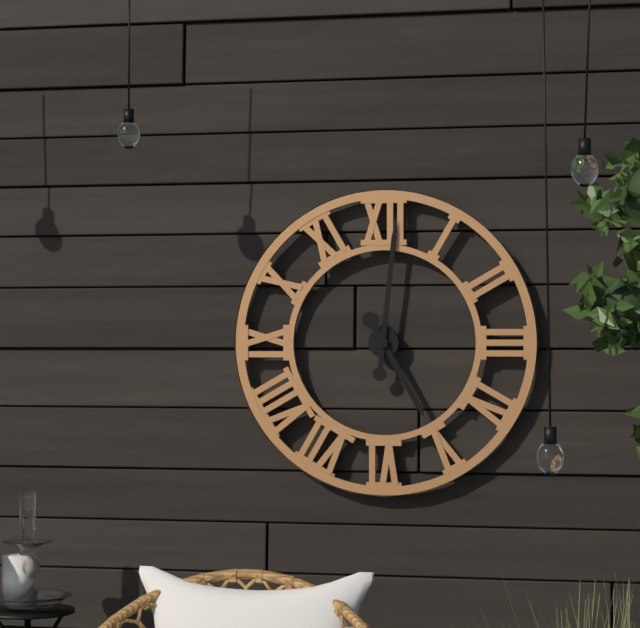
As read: 5.01
